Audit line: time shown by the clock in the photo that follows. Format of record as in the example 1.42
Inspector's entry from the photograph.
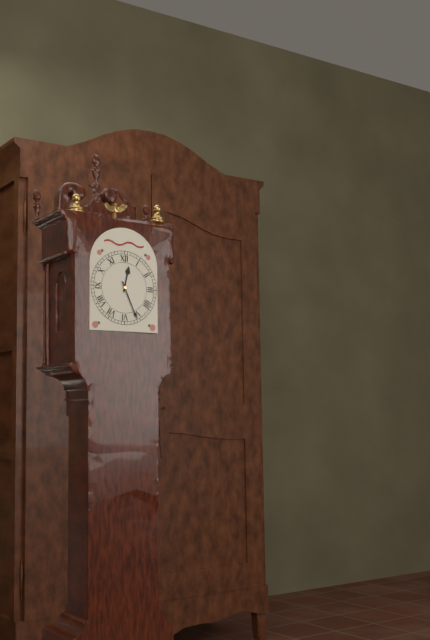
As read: 12.26
